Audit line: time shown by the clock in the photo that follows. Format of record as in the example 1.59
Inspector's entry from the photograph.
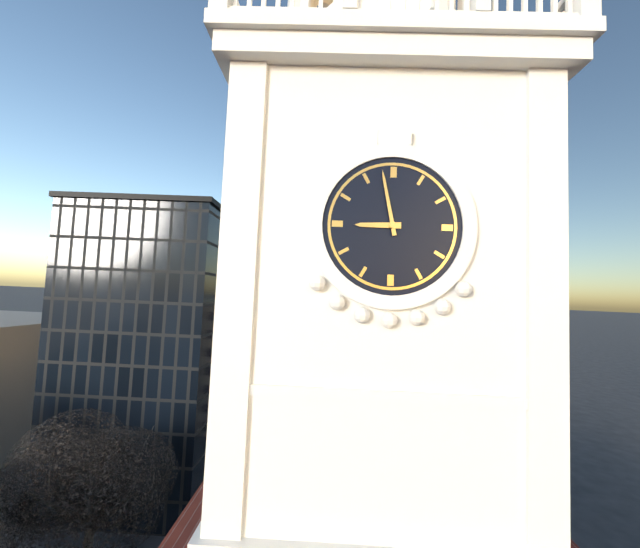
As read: 8.58
